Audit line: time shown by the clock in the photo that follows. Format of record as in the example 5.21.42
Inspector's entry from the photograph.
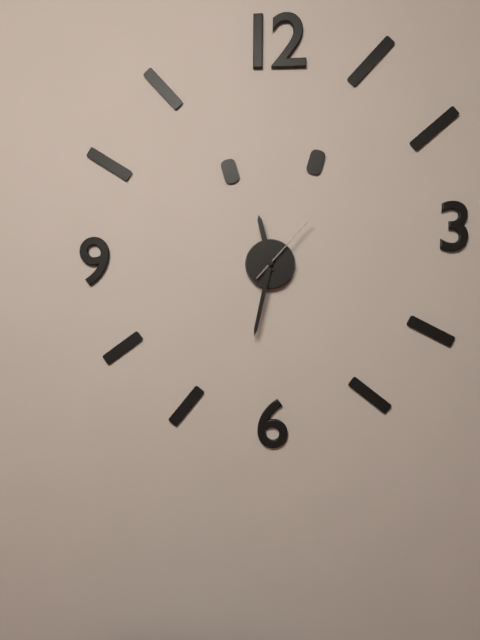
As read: 11.32.07
